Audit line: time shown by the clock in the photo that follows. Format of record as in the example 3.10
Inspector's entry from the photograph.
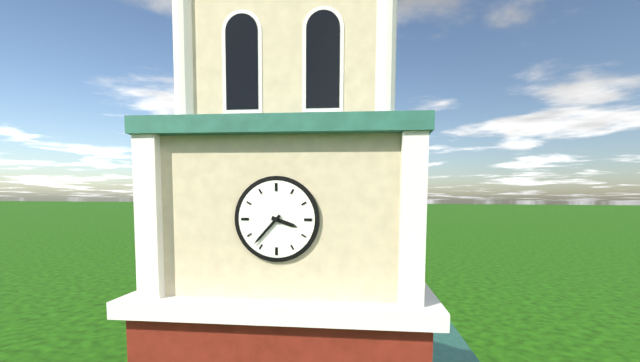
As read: 3.37
